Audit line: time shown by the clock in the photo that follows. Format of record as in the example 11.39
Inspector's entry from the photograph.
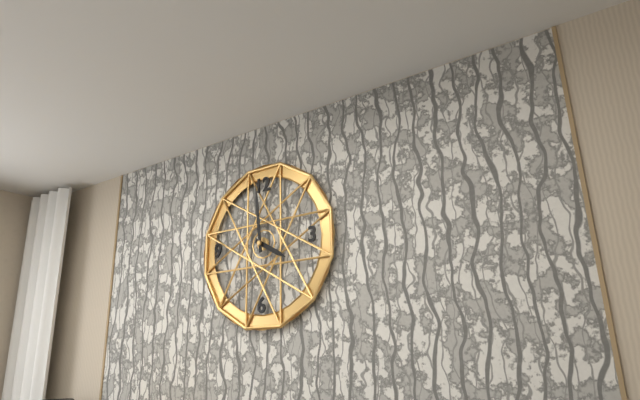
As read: 3.59
